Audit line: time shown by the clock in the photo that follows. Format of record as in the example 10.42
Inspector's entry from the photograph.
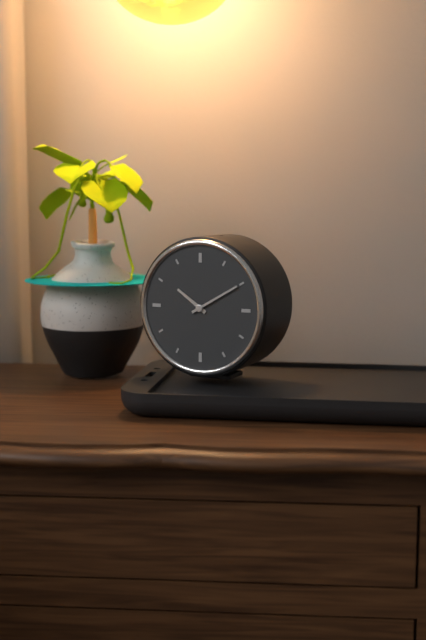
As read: 10.10
